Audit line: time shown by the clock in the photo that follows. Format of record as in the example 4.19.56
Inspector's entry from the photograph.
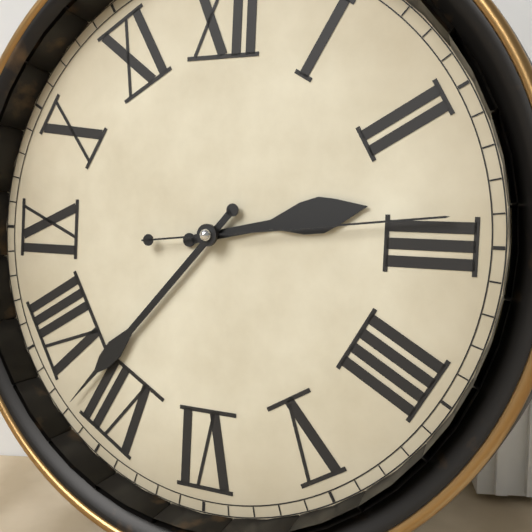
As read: 2.37.14
